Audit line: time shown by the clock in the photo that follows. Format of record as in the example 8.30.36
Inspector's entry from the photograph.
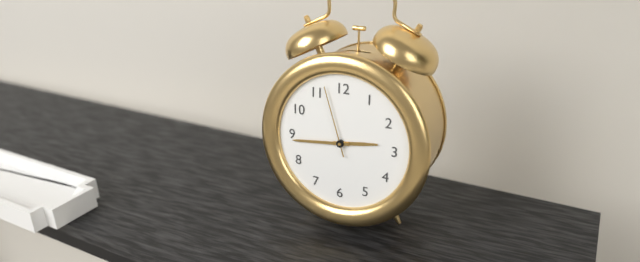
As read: 2.44.57
